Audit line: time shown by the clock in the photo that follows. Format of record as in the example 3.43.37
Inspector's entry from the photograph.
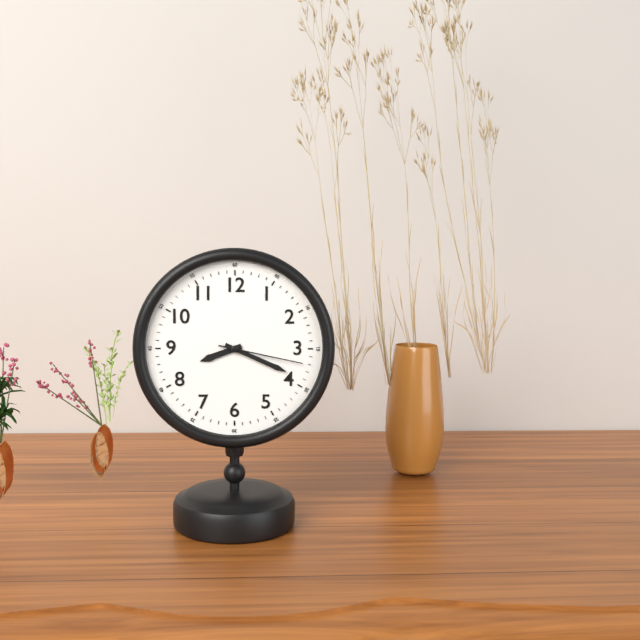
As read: 8.19.17
